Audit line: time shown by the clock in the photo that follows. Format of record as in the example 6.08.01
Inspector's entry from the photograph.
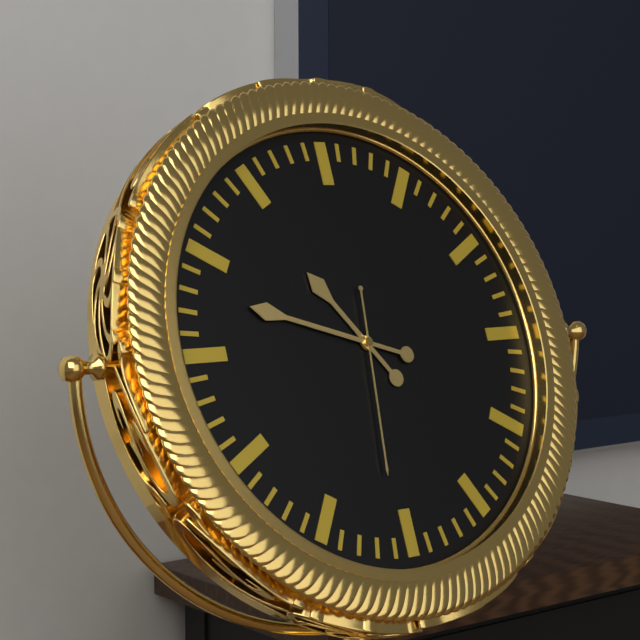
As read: 10.48.31
